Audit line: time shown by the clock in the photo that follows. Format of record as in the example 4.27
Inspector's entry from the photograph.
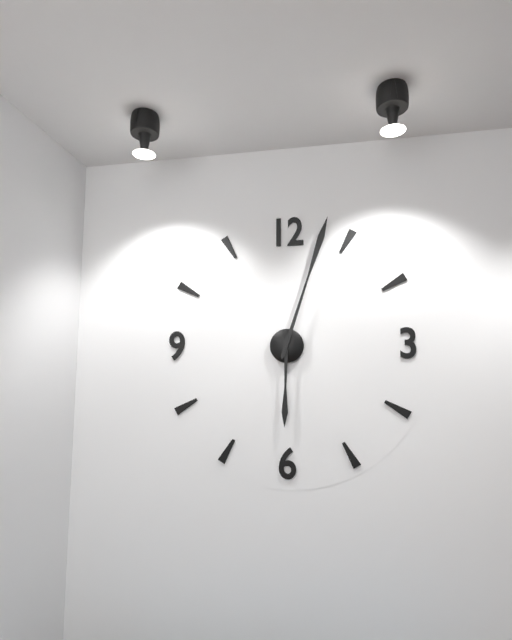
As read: 6.03
